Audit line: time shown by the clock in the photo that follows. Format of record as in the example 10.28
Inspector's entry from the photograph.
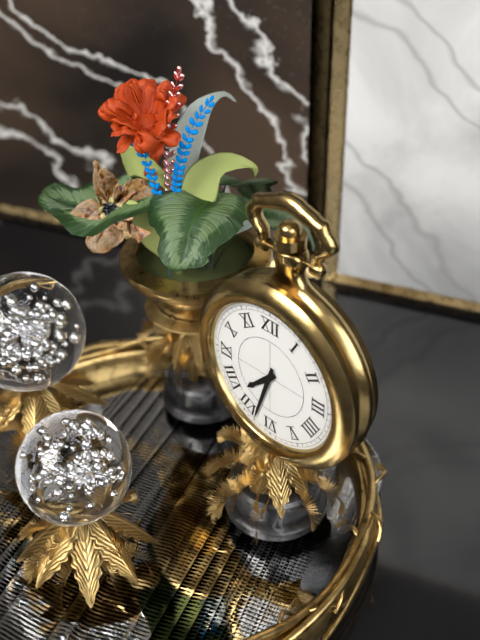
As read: 7.33
